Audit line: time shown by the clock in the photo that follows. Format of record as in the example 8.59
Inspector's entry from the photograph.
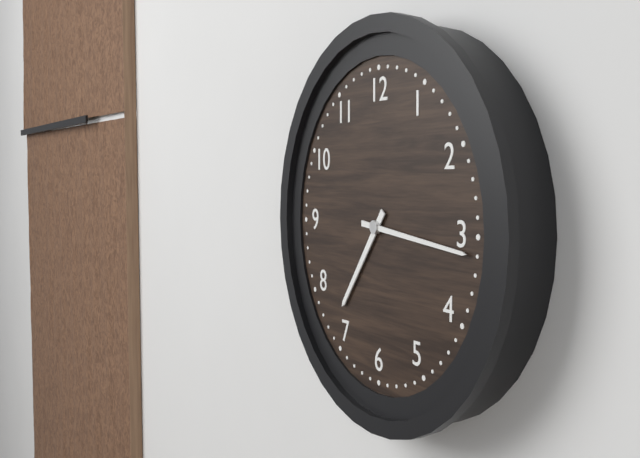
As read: 7.16
